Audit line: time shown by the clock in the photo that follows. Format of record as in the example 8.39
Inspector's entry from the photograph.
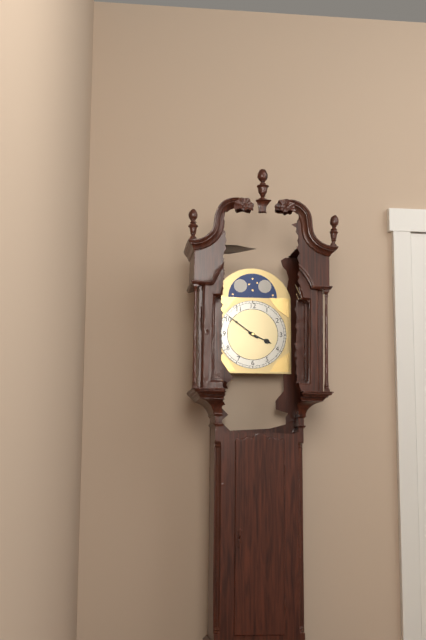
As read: 3.51
